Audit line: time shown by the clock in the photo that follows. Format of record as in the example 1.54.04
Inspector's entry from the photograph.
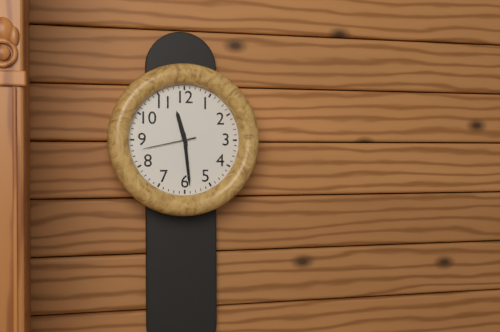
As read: 11.29.43
